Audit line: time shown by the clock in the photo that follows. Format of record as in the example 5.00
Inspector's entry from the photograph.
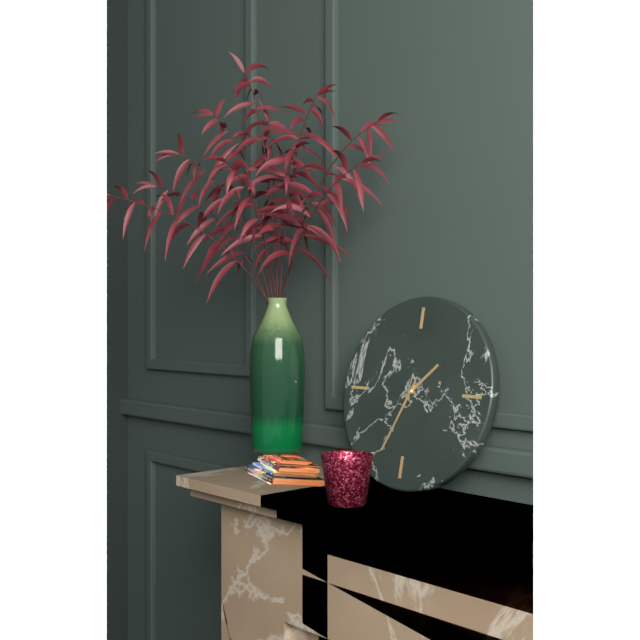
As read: 1.34
